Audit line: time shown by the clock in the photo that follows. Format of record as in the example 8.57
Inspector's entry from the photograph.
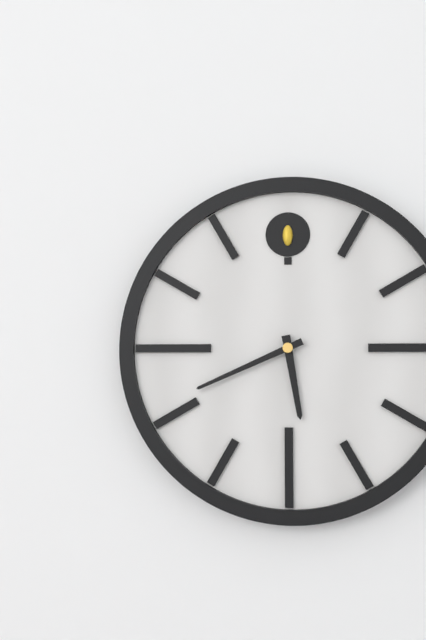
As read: 5.41
